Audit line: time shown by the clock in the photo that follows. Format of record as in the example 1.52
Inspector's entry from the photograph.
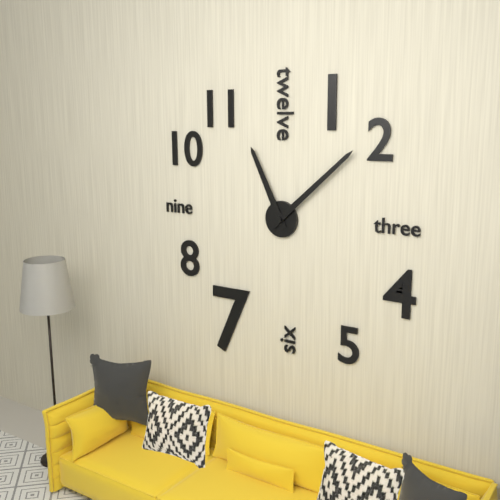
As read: 11.08
